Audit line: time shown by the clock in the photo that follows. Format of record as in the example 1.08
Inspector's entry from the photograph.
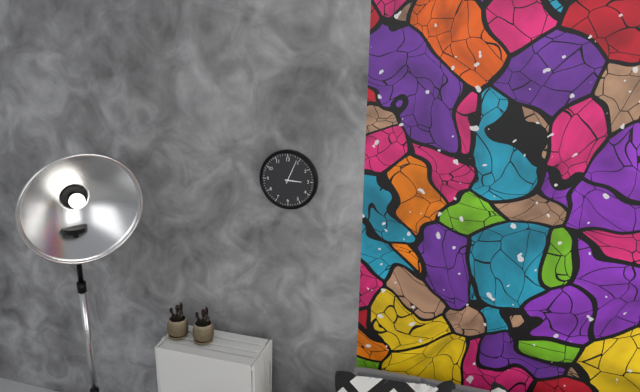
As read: 3.04
